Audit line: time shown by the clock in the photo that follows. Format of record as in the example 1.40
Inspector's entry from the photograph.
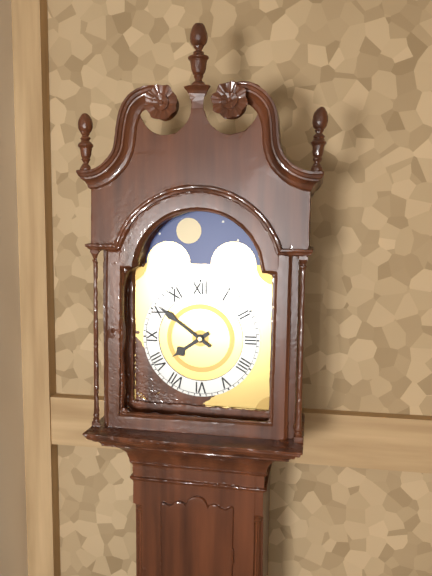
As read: 7.51
